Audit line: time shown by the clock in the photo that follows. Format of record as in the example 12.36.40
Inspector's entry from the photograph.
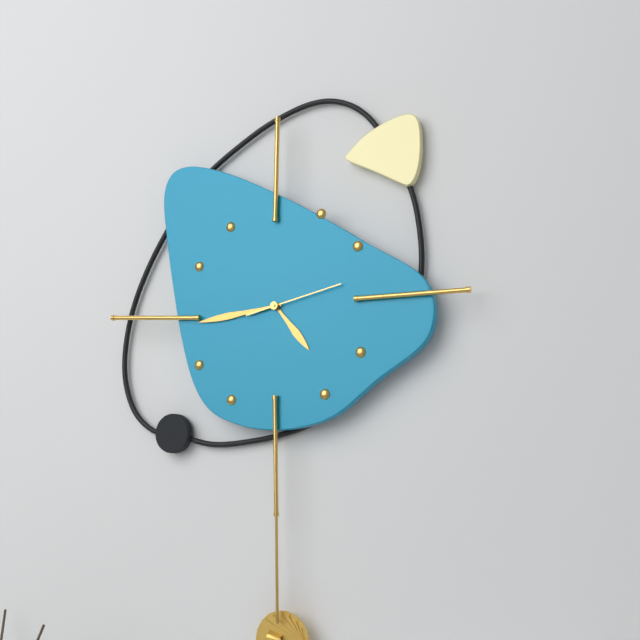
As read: 4.44.13
